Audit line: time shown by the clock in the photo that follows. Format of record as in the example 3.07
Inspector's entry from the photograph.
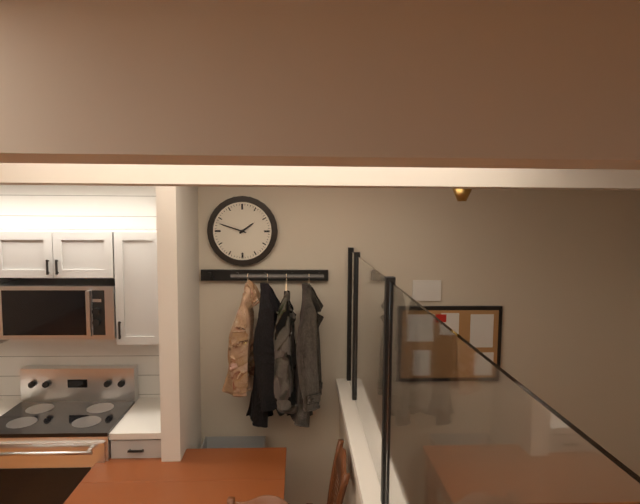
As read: 1.48
